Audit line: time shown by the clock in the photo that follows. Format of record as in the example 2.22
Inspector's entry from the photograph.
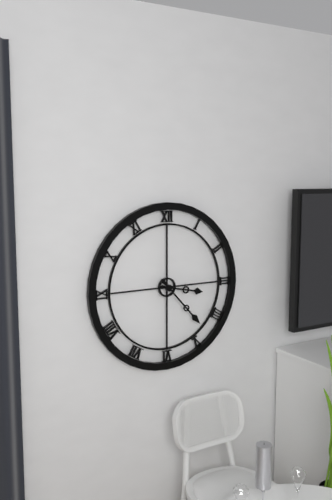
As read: 3.23
